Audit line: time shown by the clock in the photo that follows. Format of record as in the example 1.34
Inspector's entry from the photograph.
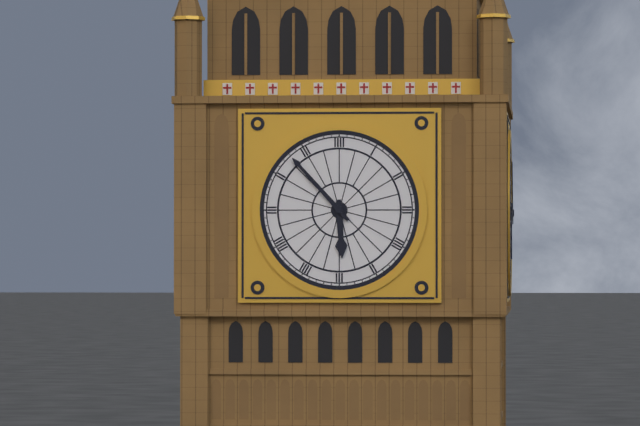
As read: 5.53
